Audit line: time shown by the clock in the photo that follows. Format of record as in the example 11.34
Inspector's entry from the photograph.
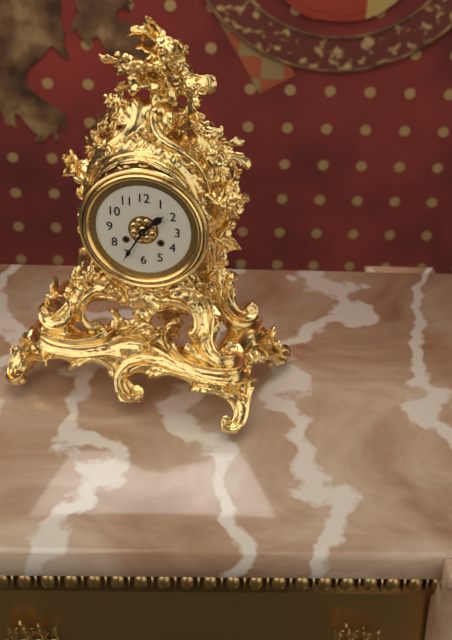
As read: 1.35
